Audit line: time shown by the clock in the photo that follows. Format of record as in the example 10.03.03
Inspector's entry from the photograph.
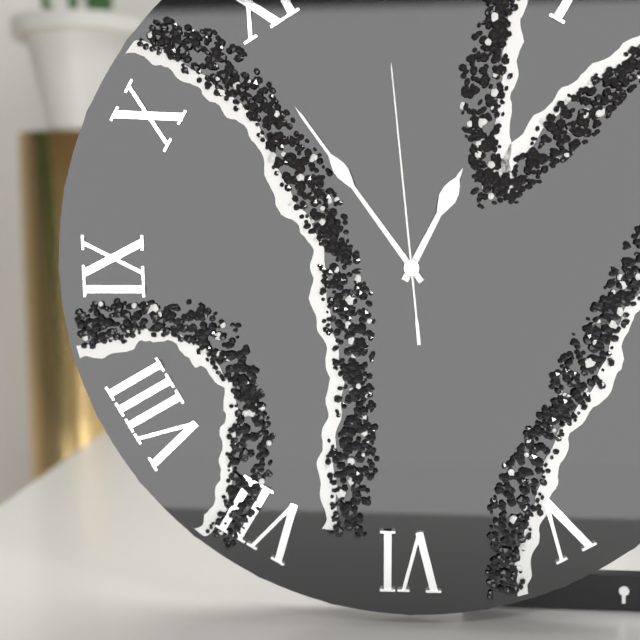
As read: 12.54.59
